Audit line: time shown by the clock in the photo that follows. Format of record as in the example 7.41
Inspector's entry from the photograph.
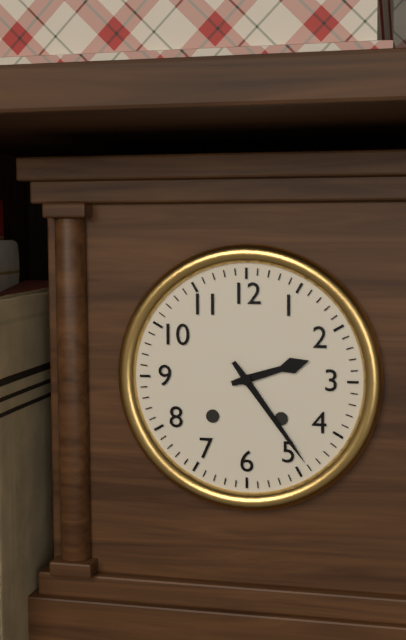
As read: 2.24
